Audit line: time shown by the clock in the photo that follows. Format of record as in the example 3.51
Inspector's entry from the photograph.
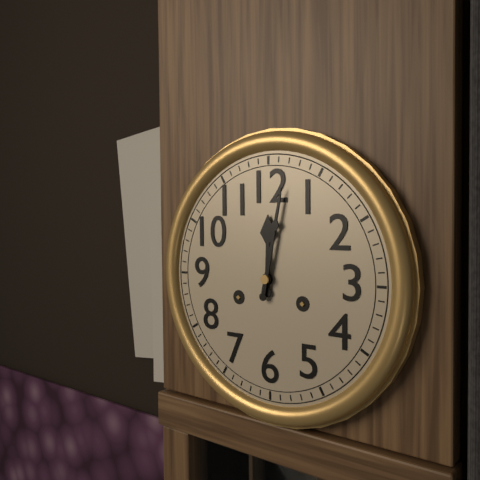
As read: 12.02
